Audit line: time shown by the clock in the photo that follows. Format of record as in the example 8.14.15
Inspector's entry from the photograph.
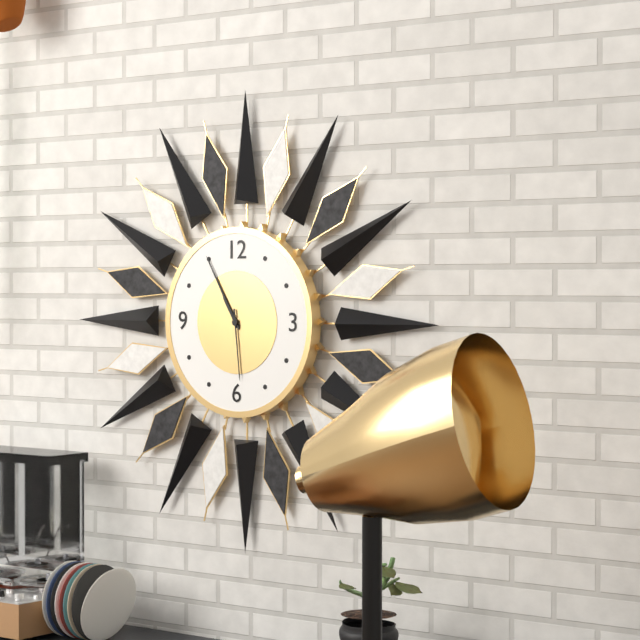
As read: 10.55.29
